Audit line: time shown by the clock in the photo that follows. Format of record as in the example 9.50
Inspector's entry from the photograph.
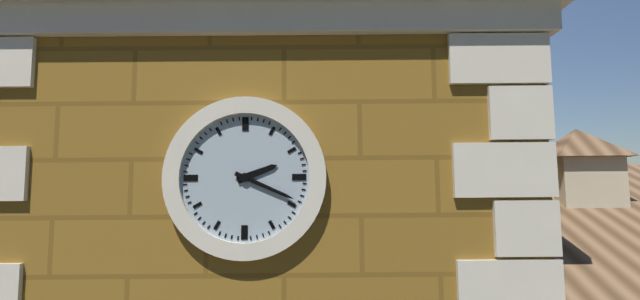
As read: 2.19
